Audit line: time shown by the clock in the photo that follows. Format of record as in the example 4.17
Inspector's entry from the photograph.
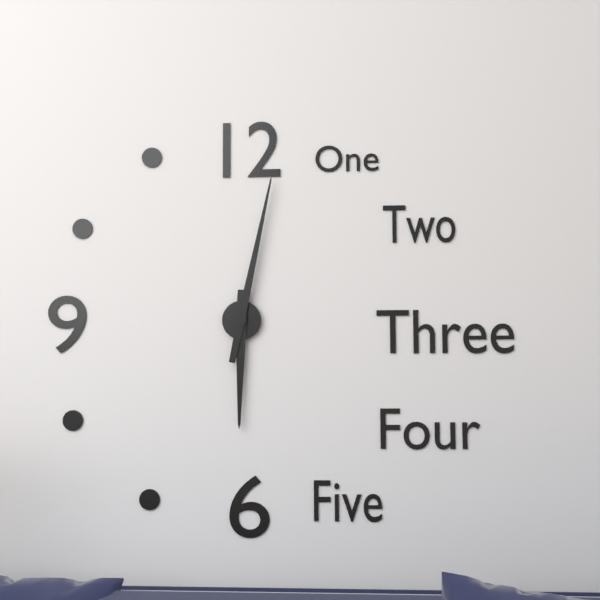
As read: 6.02
